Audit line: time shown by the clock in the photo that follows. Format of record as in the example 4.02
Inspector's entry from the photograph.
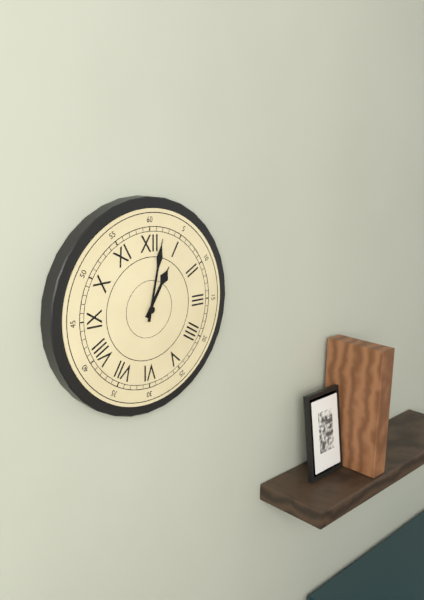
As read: 1.02
